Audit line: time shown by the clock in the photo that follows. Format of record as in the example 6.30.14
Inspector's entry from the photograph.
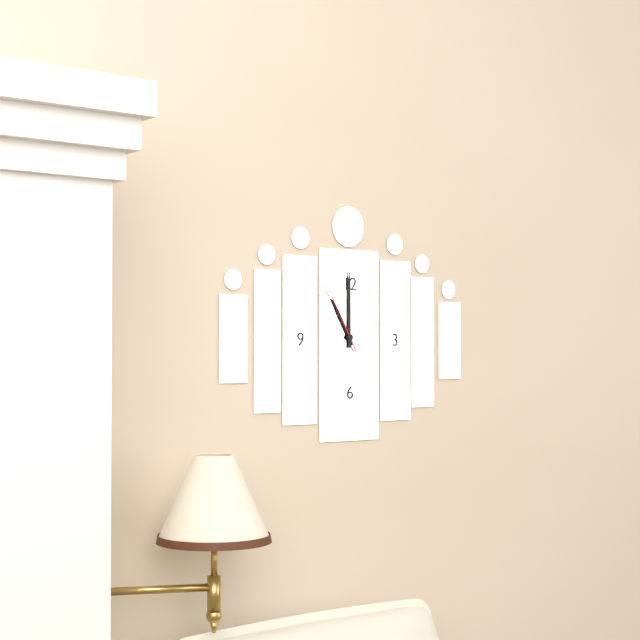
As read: 11.00.55
